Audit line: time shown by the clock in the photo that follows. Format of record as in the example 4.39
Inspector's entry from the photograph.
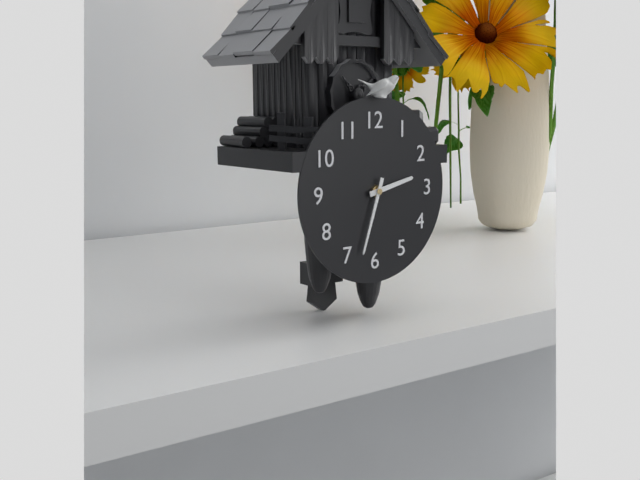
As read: 2.33
